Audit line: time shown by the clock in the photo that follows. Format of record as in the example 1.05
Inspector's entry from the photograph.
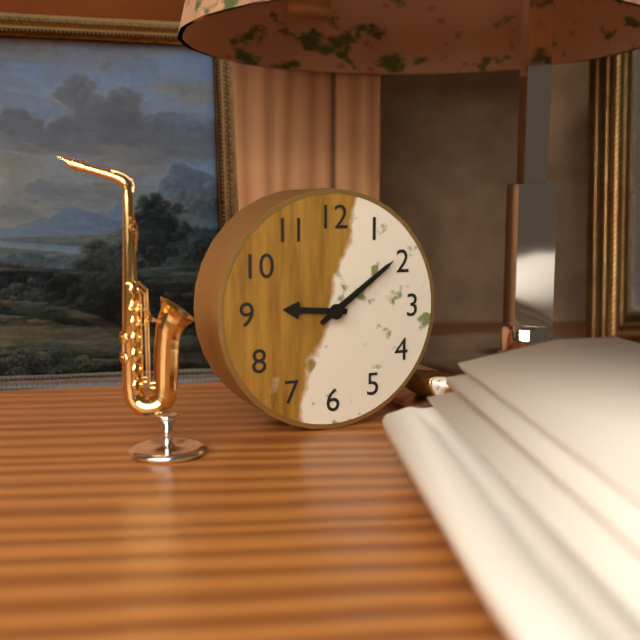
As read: 9.09
